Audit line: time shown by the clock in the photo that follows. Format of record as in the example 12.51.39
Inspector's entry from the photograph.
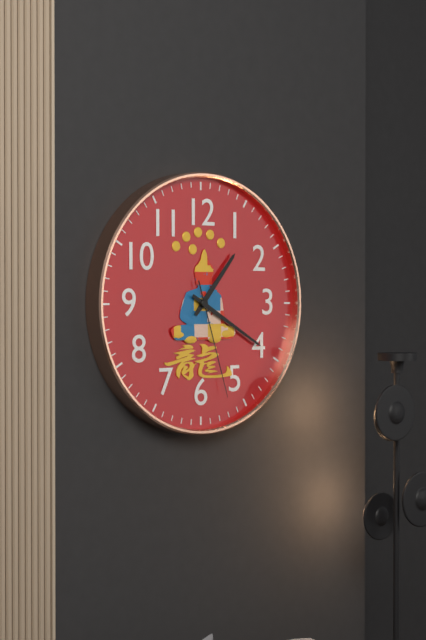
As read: 1.20.27
